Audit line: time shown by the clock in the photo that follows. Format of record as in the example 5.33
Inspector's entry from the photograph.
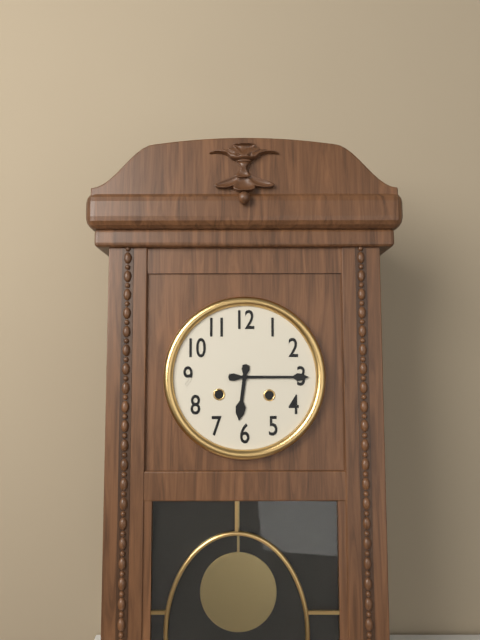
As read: 6.15
